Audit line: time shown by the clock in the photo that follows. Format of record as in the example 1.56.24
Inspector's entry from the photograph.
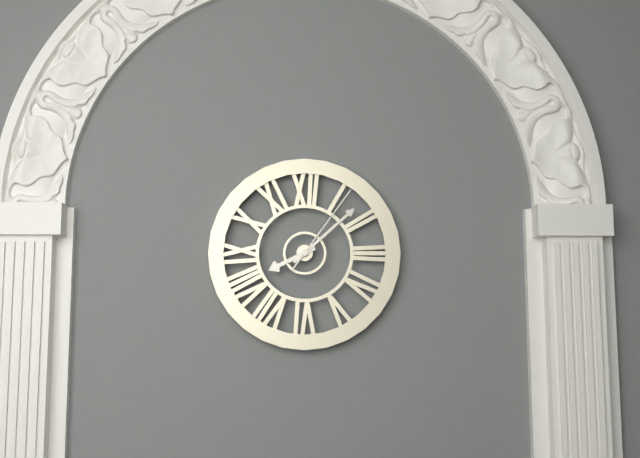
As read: 8.08.06
